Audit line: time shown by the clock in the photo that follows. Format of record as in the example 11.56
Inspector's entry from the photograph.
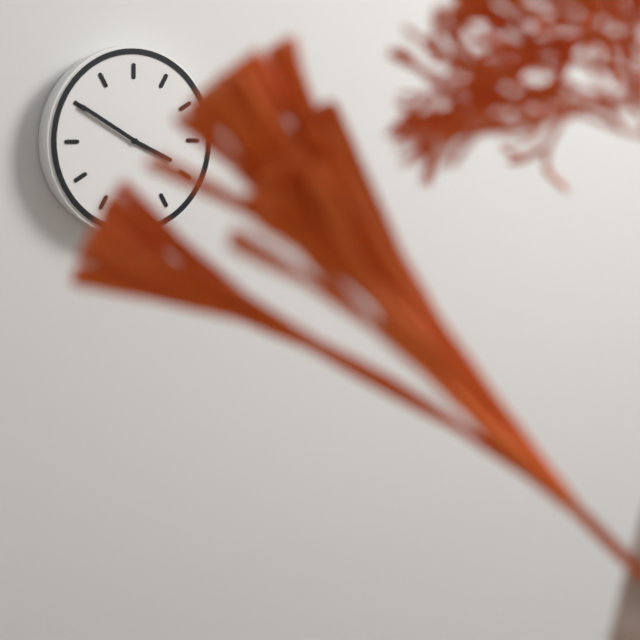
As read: 3.50
